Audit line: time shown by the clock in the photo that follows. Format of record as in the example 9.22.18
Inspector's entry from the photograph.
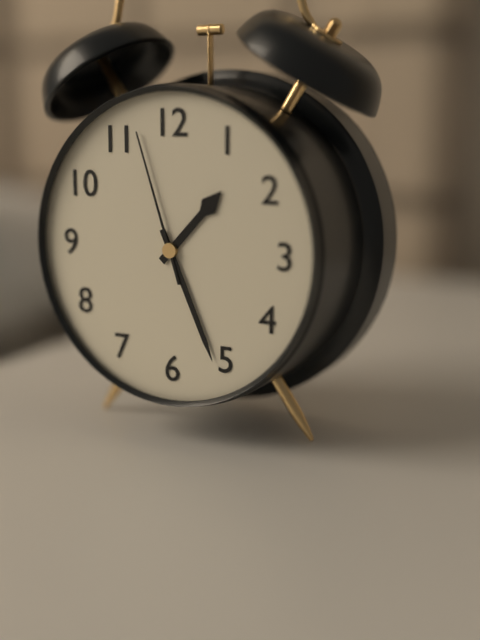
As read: 1.26.57
